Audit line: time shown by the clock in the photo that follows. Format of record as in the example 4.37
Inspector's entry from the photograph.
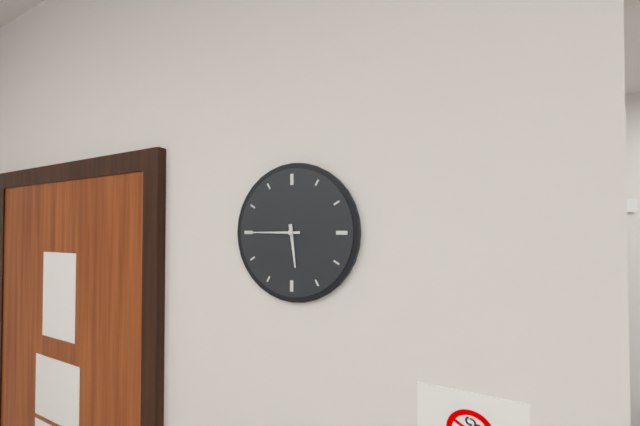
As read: 5.45
